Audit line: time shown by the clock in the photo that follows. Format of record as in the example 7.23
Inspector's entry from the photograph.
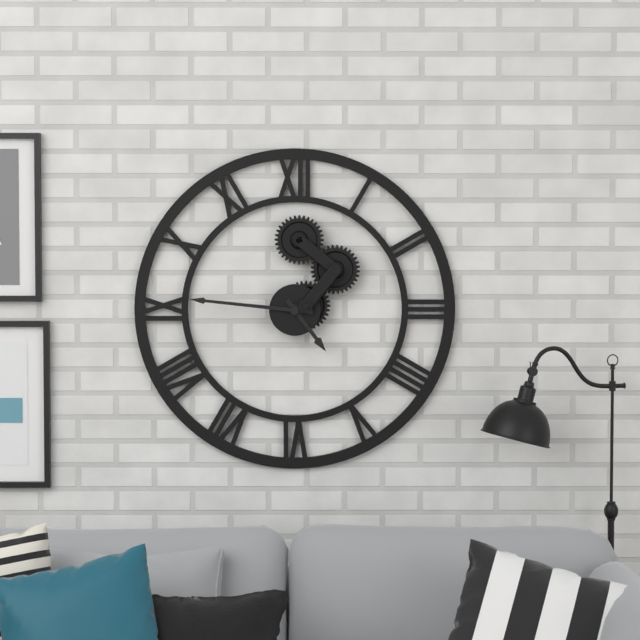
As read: 4.46
